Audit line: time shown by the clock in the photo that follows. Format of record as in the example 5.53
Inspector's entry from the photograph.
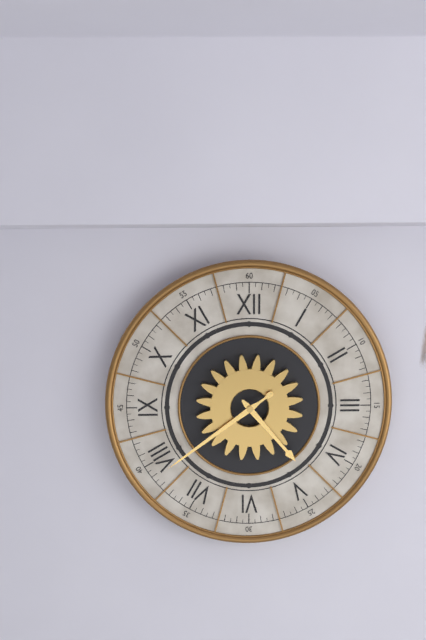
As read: 4.39
